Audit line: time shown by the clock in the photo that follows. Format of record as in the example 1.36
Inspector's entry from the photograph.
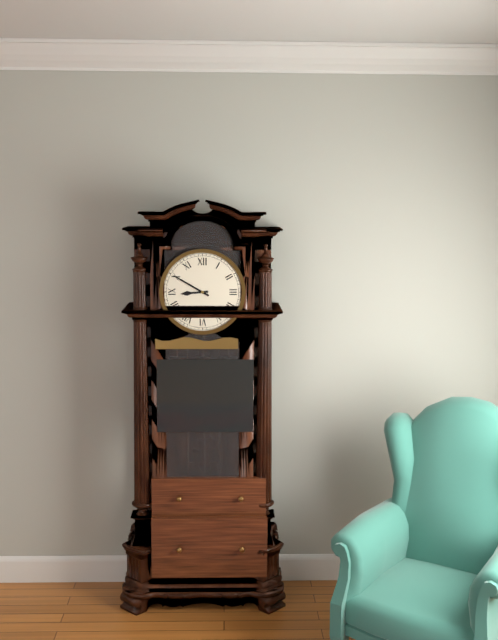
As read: 8.50
